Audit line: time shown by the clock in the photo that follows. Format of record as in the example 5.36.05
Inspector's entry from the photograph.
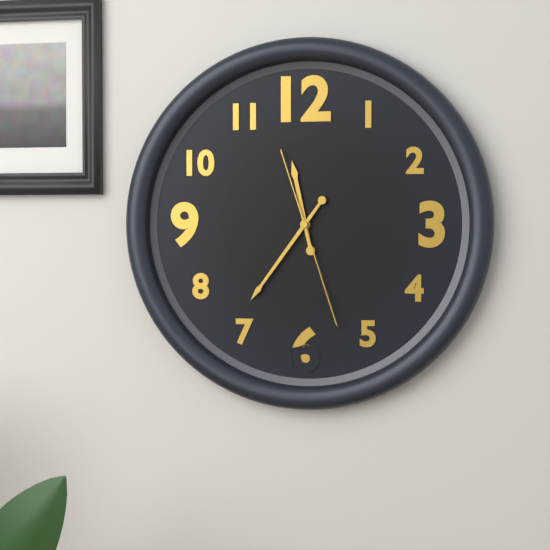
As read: 11.36.27
